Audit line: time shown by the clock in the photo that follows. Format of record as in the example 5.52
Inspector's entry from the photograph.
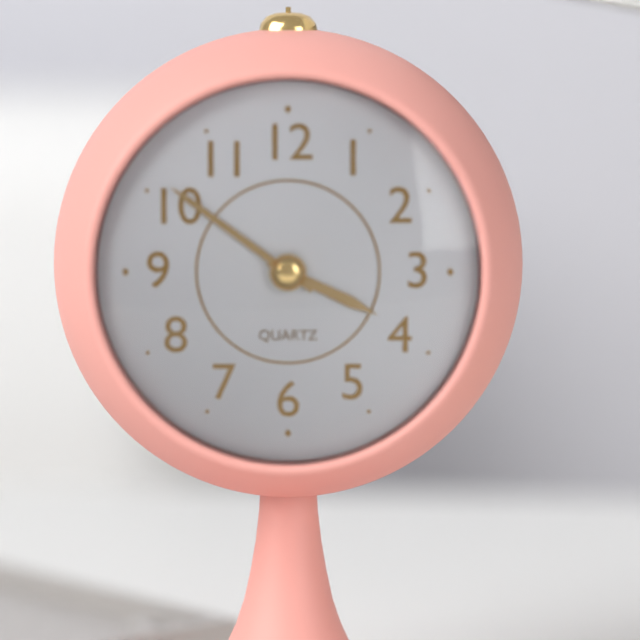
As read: 3.51
